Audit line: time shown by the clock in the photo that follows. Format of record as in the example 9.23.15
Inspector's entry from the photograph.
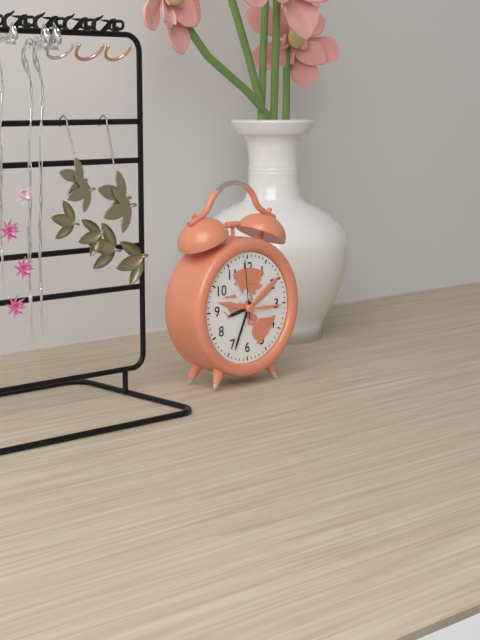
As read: 8.34.59
